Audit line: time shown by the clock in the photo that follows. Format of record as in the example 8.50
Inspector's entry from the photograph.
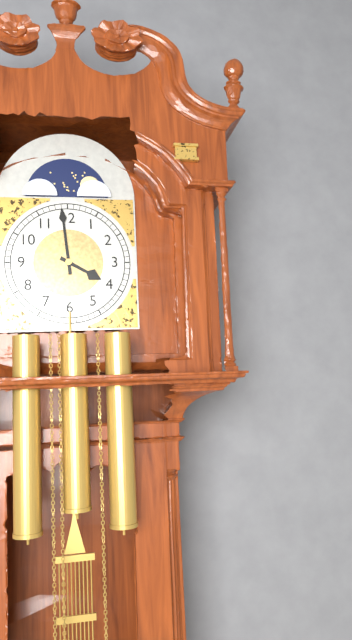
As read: 3.59
